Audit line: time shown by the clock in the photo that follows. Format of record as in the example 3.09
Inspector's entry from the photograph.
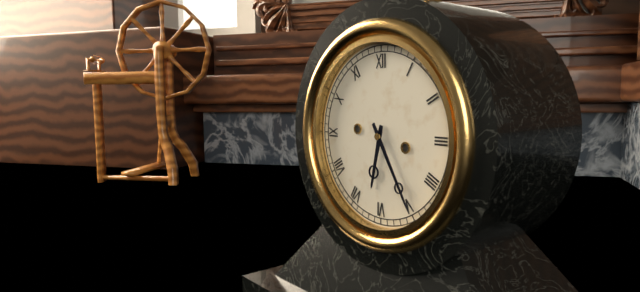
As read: 6.25
